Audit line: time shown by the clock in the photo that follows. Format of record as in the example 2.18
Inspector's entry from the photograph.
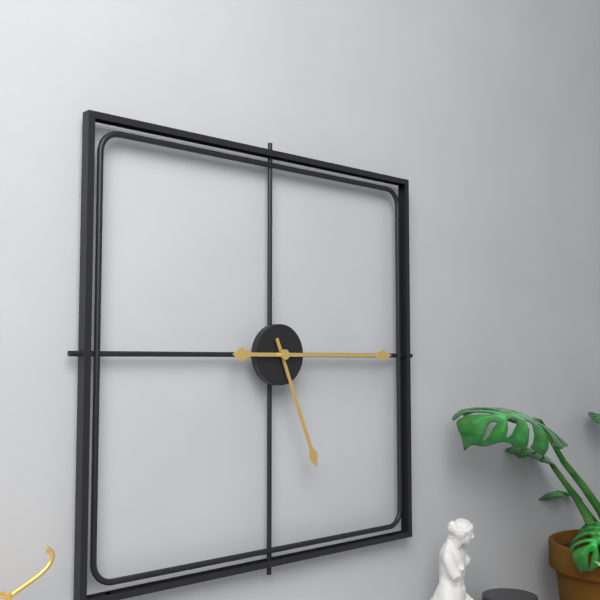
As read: 5.15
